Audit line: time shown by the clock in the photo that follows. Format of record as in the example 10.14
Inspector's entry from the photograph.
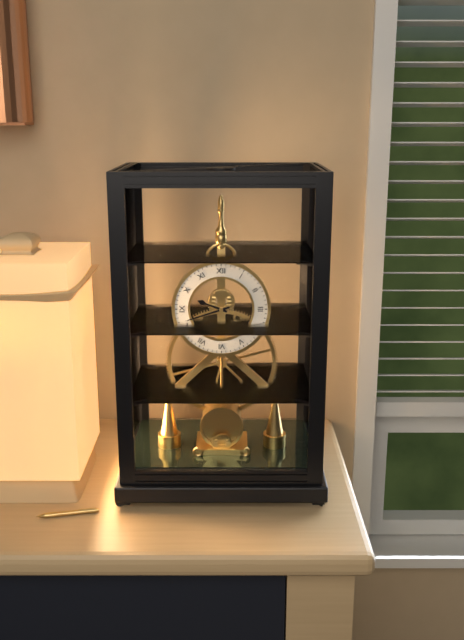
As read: 9.42
